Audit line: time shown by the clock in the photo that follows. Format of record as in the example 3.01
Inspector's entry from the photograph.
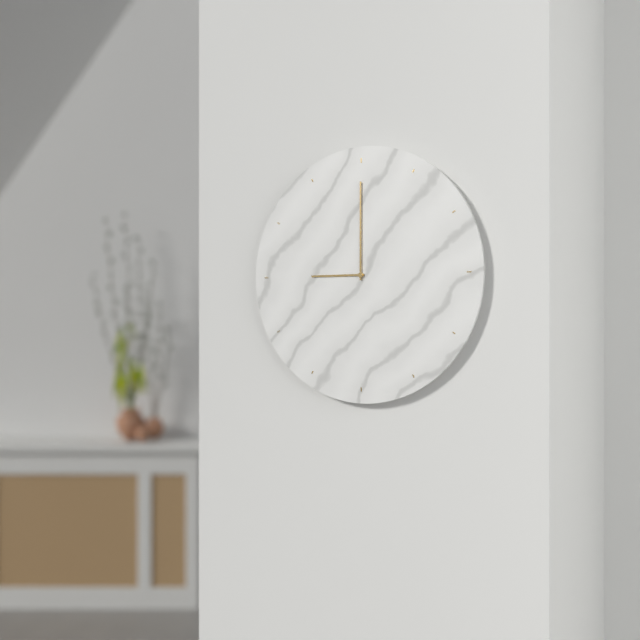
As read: 9.00
